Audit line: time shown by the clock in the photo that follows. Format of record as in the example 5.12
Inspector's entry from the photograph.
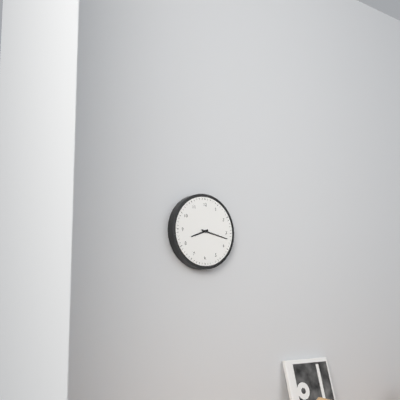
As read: 8.17
